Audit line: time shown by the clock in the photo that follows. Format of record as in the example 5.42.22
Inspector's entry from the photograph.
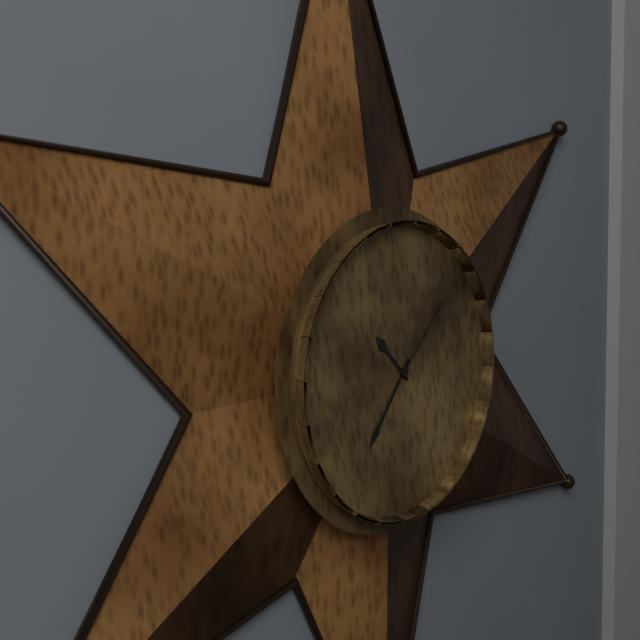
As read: 10.37.08
